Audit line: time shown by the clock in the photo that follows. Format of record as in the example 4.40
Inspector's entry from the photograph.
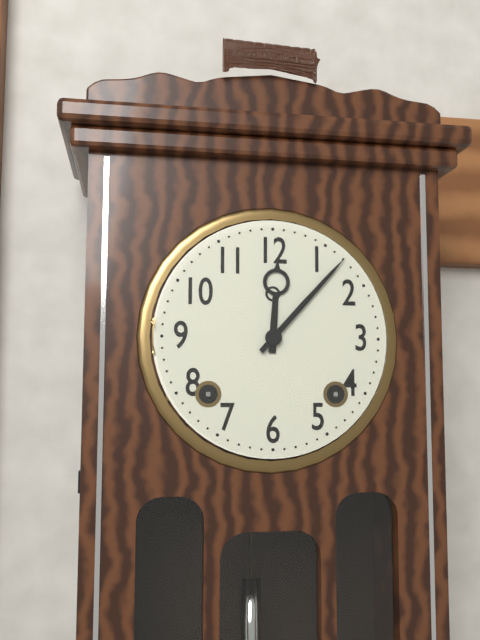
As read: 12.07
